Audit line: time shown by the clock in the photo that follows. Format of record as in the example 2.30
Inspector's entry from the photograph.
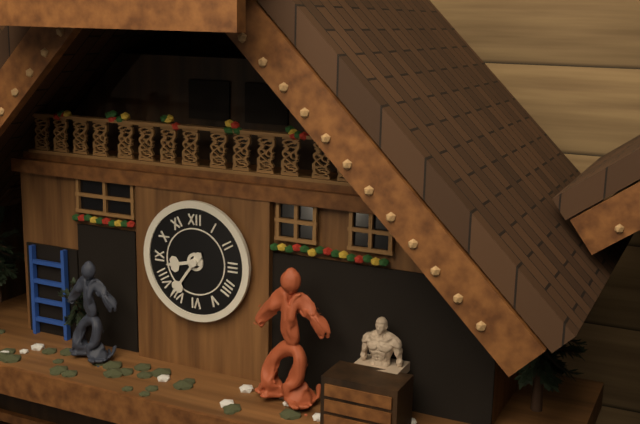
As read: 8.36
